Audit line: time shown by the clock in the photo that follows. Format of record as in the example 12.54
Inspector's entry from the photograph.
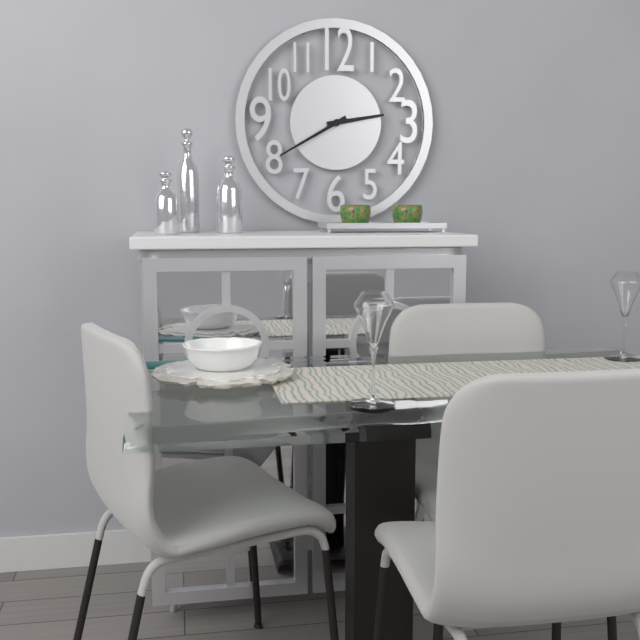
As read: 2.40
